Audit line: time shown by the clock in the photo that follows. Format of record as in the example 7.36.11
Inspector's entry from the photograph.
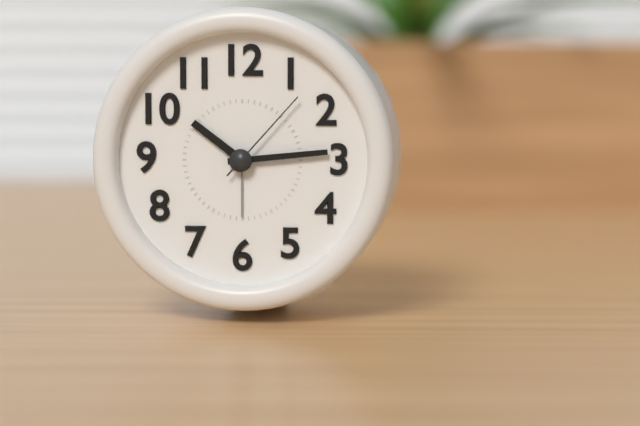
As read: 10.14.07
